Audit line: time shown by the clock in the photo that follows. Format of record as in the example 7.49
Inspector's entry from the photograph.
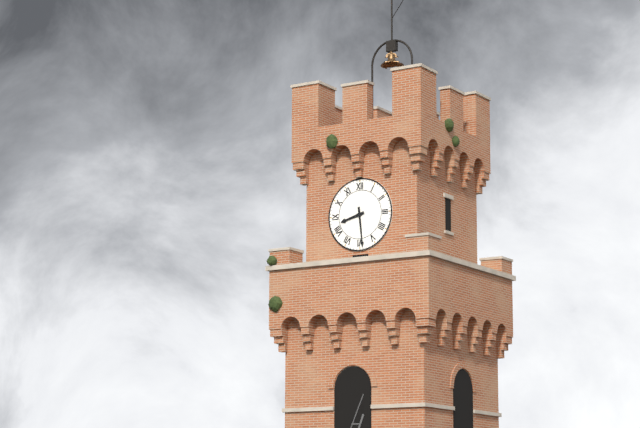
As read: 8.29
